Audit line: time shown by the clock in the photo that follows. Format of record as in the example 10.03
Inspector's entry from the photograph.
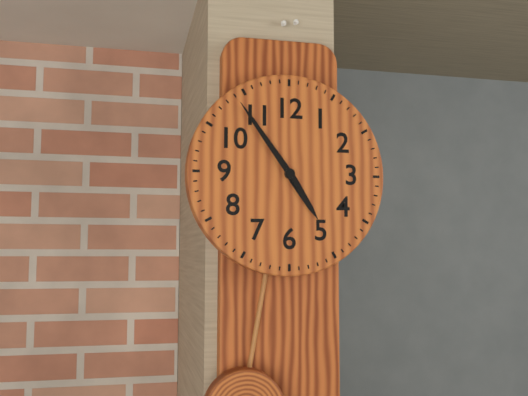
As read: 4.54
